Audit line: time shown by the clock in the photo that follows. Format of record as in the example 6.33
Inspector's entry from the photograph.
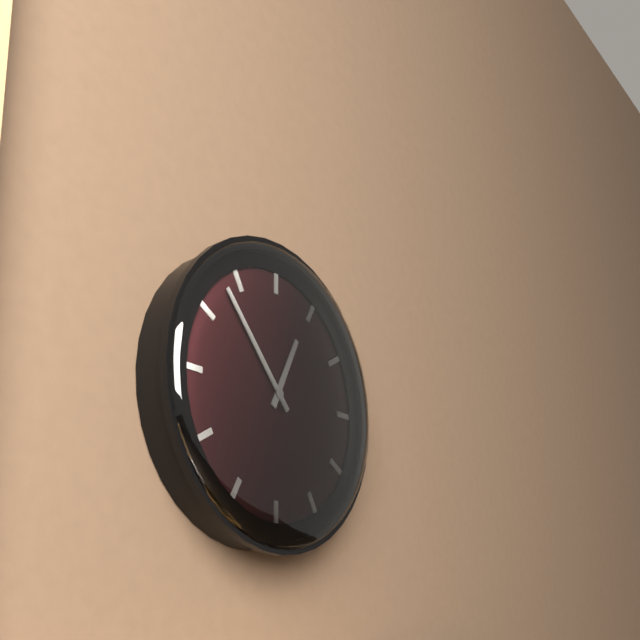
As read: 12.53
